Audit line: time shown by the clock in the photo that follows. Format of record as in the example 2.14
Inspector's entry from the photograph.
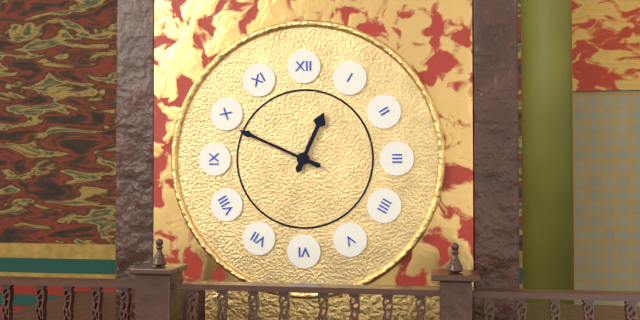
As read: 12.49
